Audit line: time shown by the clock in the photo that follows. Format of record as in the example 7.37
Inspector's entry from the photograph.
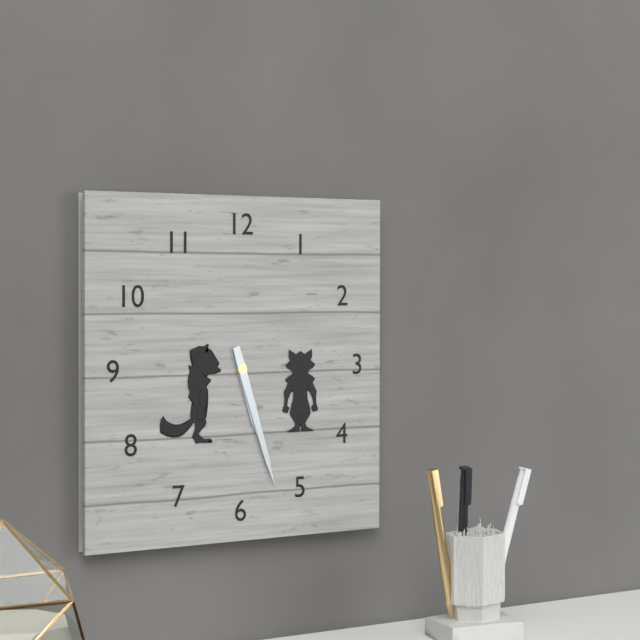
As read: 5.27
